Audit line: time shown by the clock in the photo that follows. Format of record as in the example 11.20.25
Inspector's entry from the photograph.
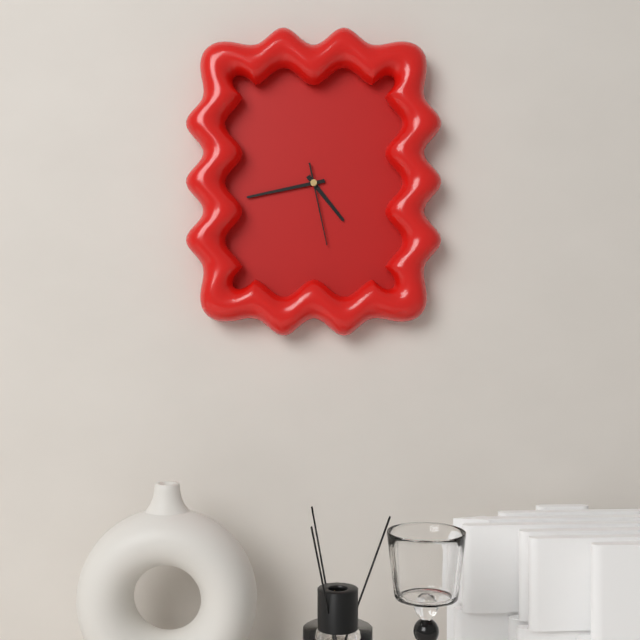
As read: 4.43.28
